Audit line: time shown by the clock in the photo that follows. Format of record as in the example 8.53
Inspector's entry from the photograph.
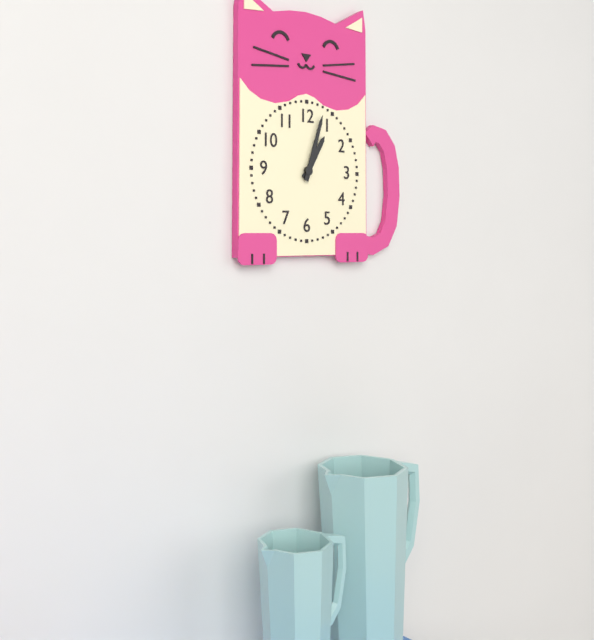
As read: 1.03
